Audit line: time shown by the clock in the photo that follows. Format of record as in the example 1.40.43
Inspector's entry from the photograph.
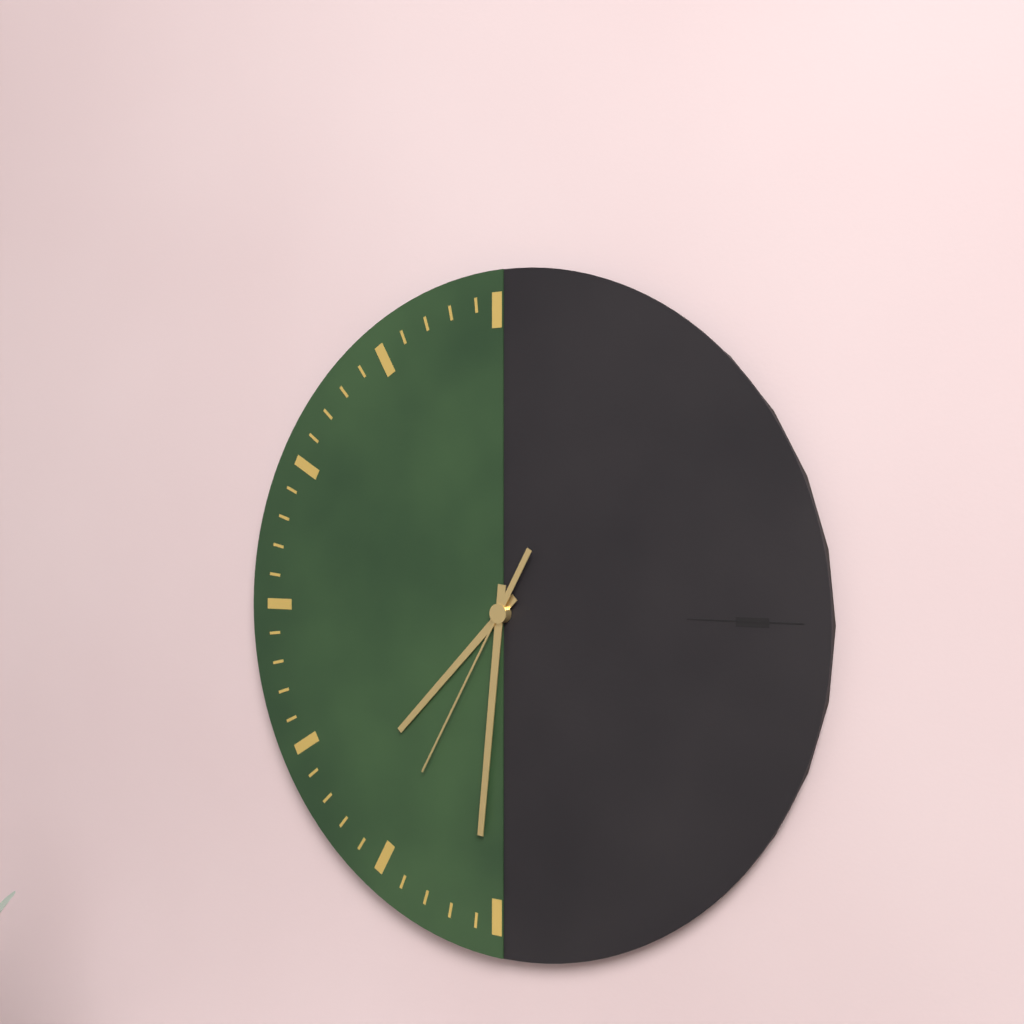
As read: 7.31.35
